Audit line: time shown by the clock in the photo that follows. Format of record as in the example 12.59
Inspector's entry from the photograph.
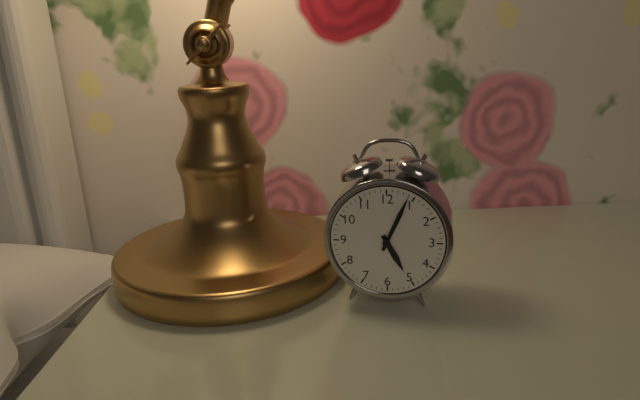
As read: 5.04
